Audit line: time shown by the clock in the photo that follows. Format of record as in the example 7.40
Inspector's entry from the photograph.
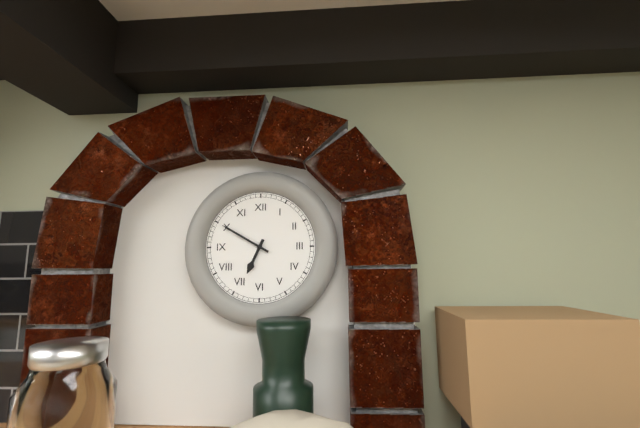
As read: 6.50
